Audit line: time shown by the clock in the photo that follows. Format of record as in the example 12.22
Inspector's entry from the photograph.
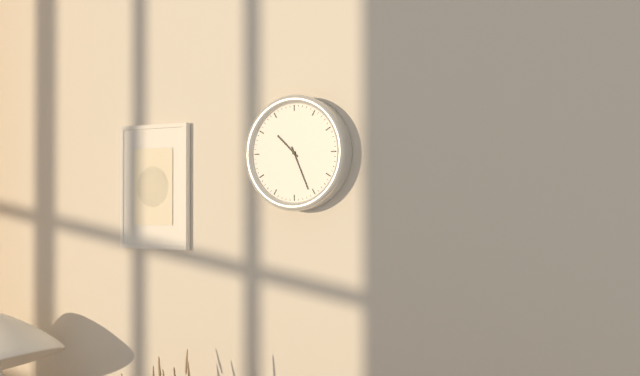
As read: 10.26
